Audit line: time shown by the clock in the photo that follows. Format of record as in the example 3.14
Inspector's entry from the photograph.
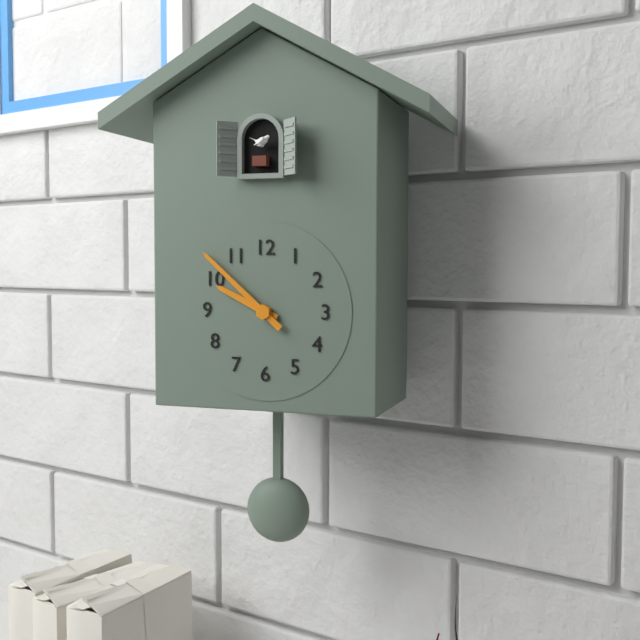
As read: 9.52
